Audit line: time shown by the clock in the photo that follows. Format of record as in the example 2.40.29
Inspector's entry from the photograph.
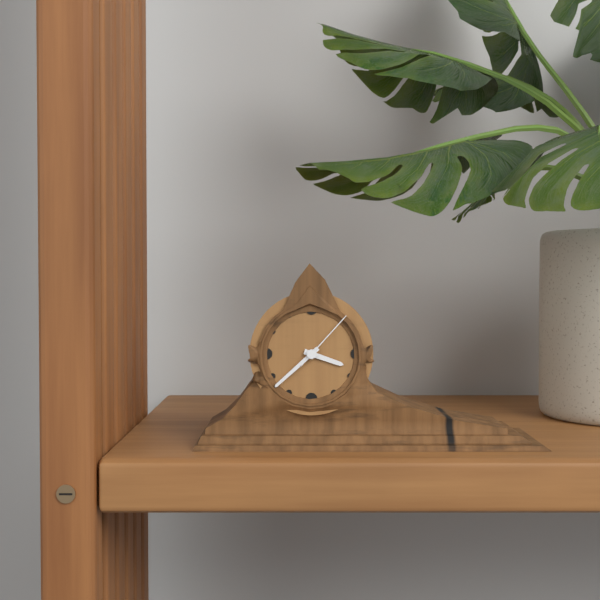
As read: 3.38.07
